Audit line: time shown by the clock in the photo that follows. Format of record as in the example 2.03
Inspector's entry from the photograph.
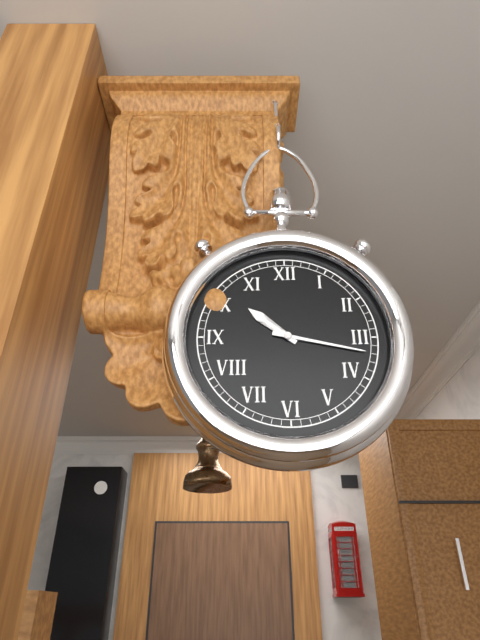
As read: 10.17
